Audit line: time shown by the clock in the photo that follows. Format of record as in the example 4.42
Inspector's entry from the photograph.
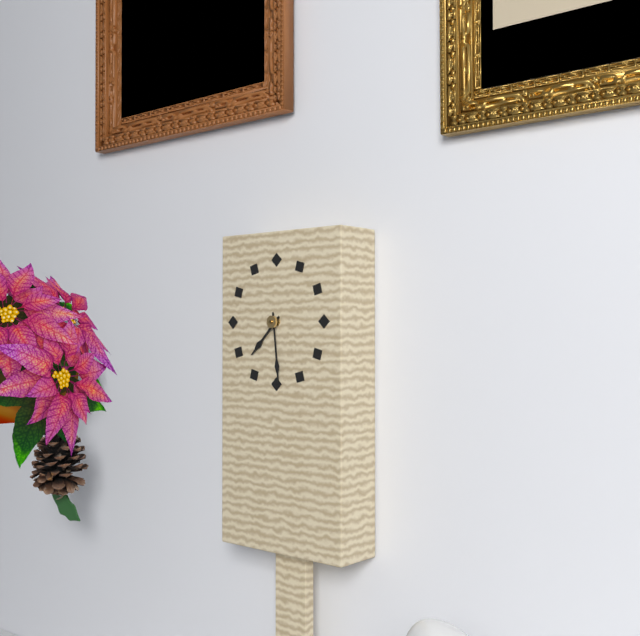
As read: 7.29
